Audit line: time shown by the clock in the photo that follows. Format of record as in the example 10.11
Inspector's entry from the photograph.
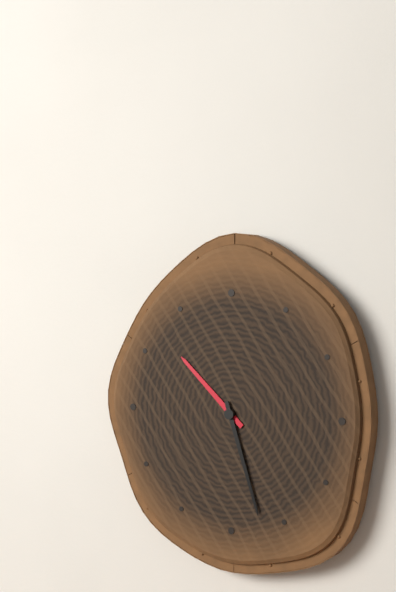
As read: 10.27
